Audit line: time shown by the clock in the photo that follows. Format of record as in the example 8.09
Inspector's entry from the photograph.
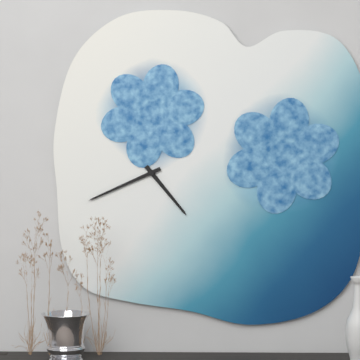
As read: 4.41
